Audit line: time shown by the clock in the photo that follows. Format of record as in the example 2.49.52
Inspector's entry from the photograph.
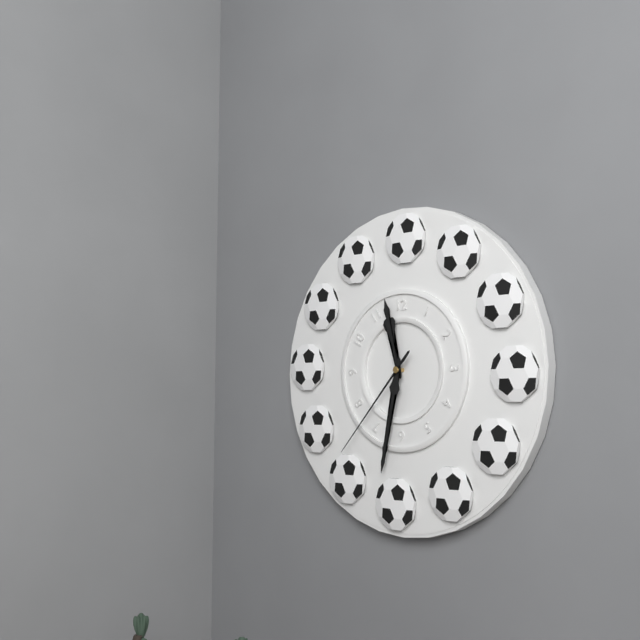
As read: 11.32.37
